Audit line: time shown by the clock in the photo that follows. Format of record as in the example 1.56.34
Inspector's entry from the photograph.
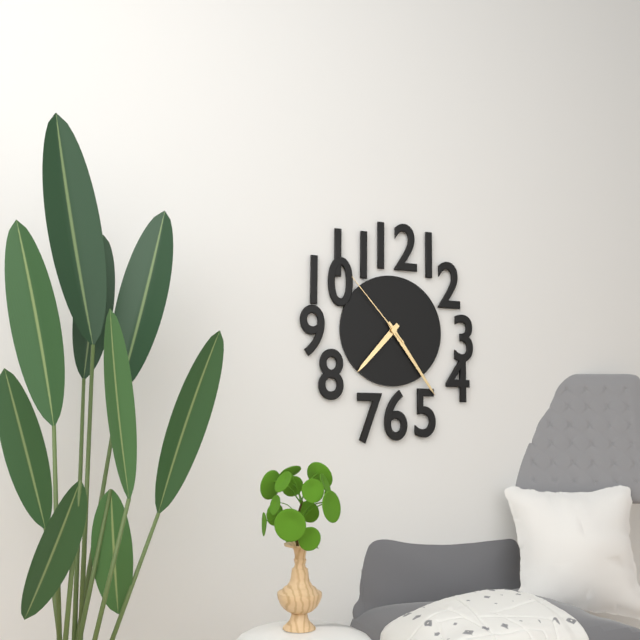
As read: 7.24.53
